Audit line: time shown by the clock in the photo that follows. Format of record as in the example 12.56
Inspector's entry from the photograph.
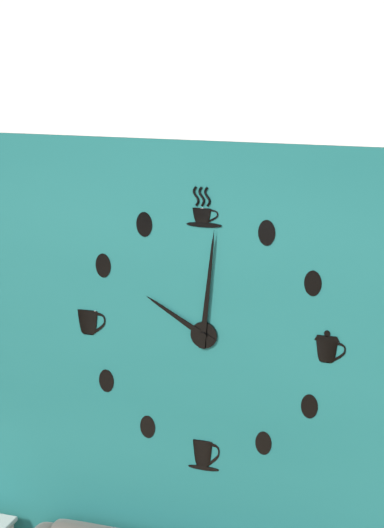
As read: 10.01
